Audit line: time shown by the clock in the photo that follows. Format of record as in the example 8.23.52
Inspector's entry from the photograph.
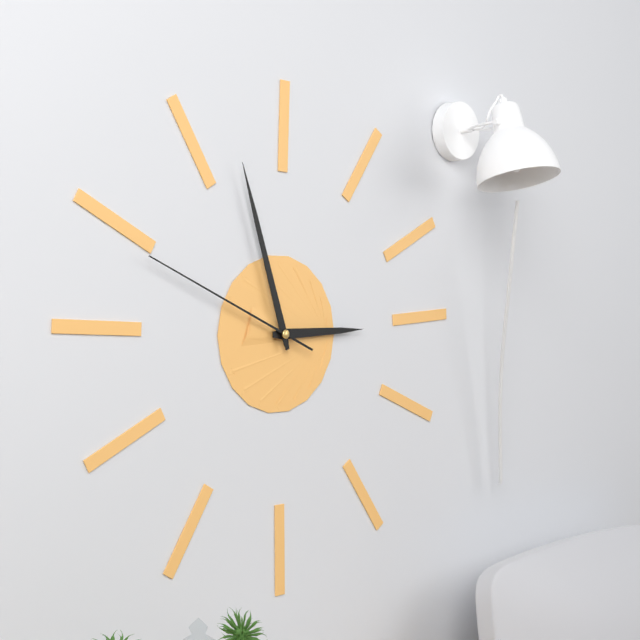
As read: 2.57.49
